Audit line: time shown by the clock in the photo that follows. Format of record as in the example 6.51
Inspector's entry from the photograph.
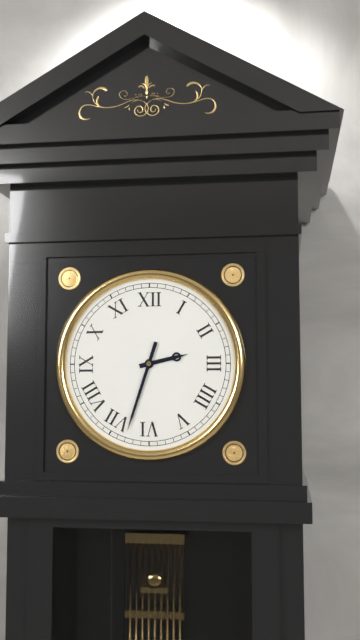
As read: 2.33
